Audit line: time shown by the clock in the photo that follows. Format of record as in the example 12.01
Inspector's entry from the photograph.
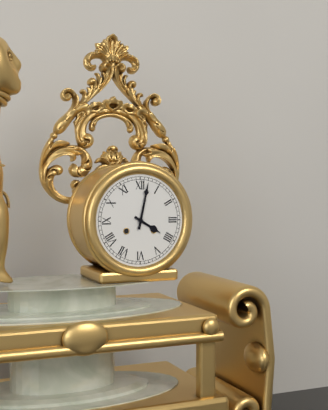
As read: 4.02
